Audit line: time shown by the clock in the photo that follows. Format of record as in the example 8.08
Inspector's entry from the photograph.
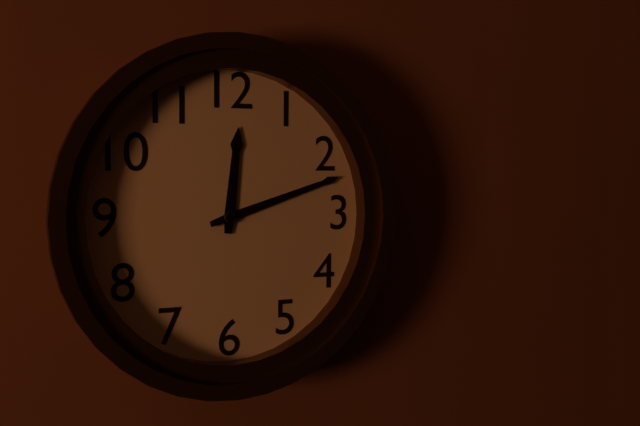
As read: 12.12
